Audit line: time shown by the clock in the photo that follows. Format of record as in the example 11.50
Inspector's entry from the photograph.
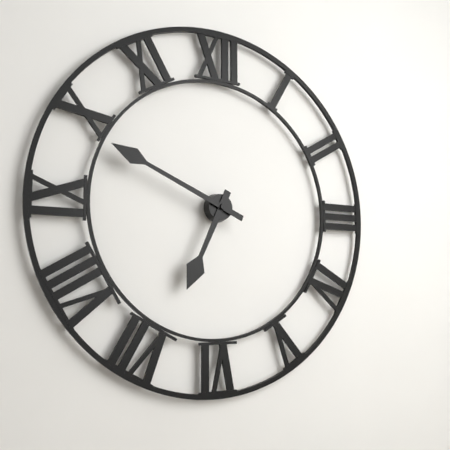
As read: 6.49
